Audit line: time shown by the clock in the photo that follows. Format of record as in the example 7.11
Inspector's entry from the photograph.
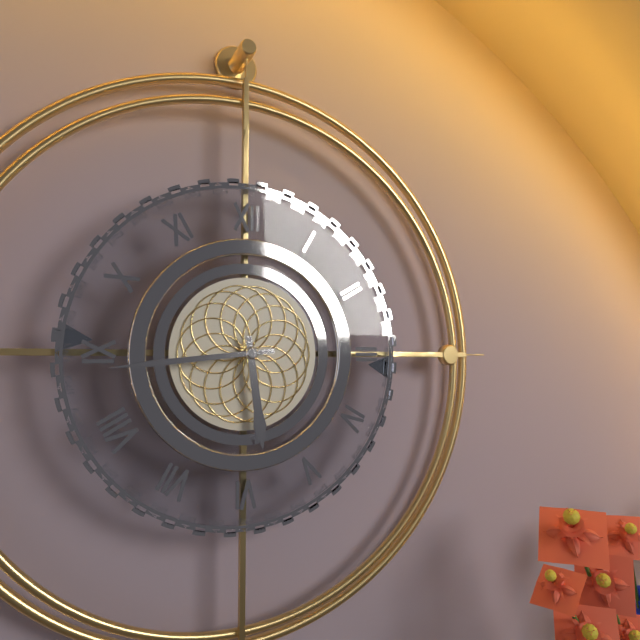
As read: 5.44
